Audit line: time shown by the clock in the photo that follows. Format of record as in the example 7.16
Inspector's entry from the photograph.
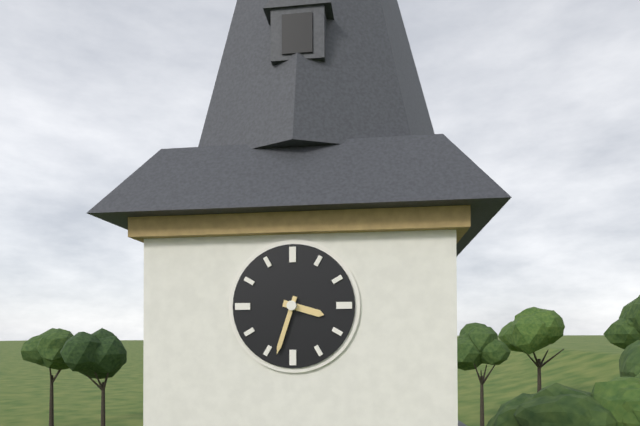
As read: 3.33
